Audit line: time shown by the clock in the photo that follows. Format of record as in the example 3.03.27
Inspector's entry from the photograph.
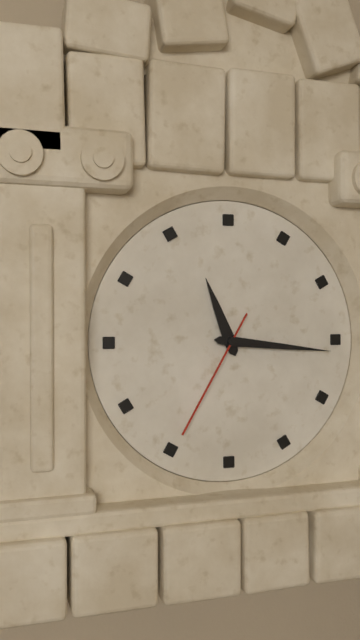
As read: 11.16.35
